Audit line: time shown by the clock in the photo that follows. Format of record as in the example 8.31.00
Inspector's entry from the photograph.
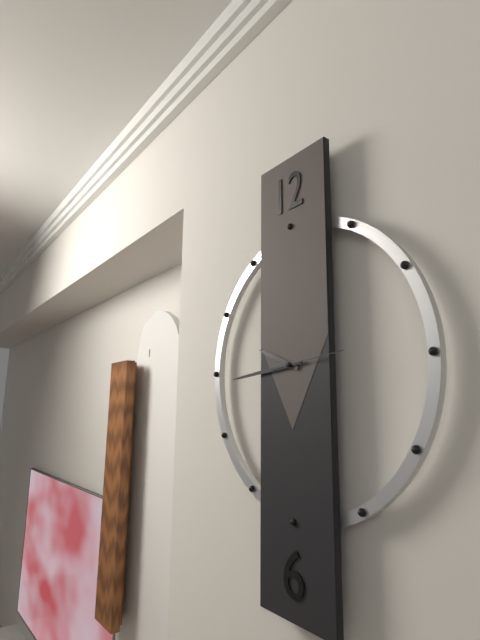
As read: 9.44.14
